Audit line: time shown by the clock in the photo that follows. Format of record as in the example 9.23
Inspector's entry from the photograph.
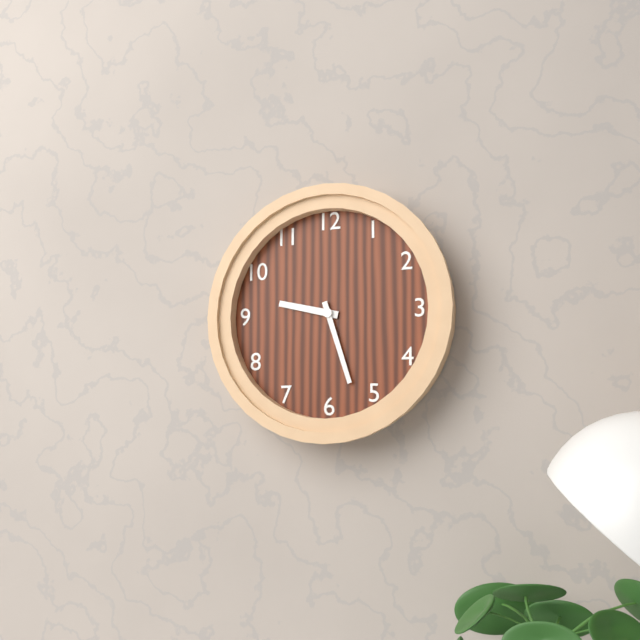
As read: 9.27
